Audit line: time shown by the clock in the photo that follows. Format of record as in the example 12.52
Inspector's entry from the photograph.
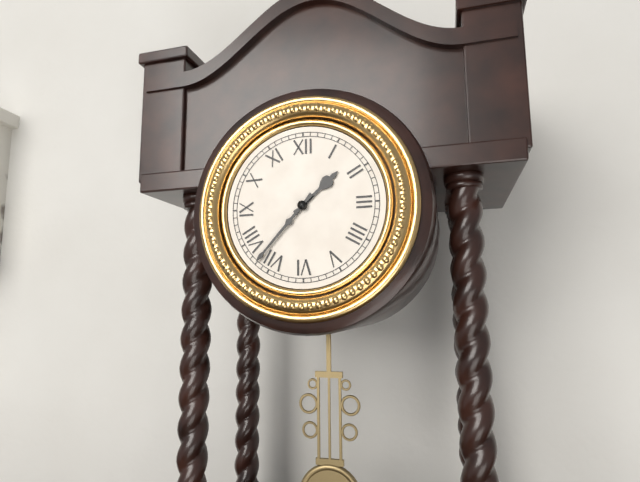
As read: 1.37
